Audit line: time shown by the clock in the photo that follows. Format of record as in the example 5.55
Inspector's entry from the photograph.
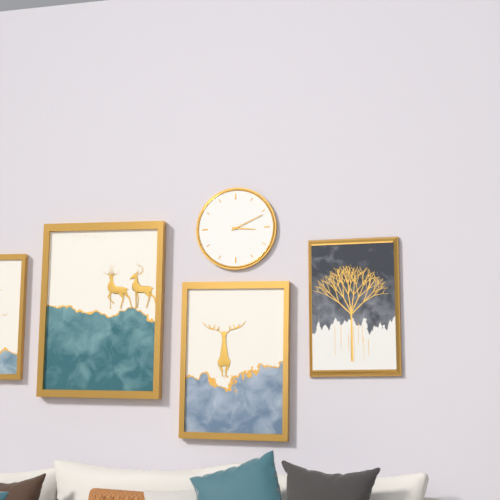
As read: 3.11
